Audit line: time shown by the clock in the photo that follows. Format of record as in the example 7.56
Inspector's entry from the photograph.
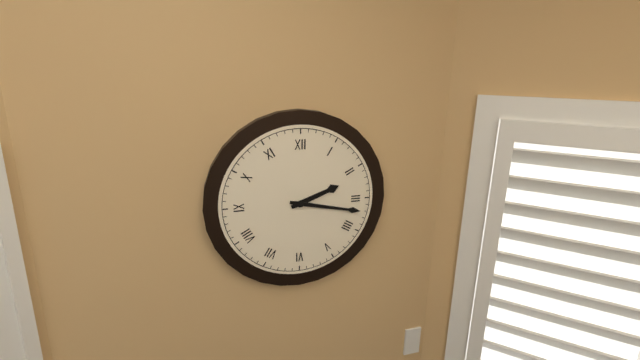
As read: 2.17
